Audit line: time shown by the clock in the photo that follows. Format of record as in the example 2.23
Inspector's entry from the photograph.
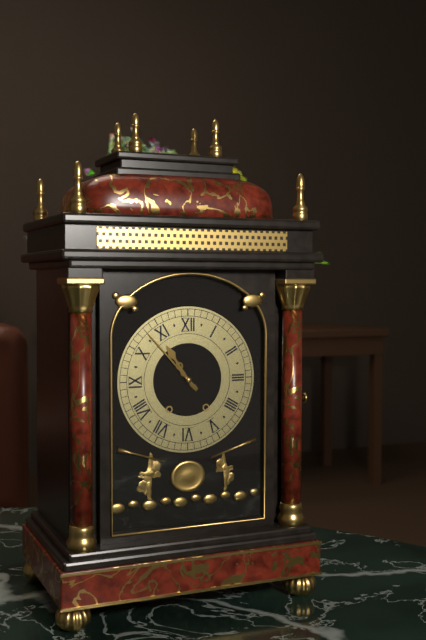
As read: 10.53
